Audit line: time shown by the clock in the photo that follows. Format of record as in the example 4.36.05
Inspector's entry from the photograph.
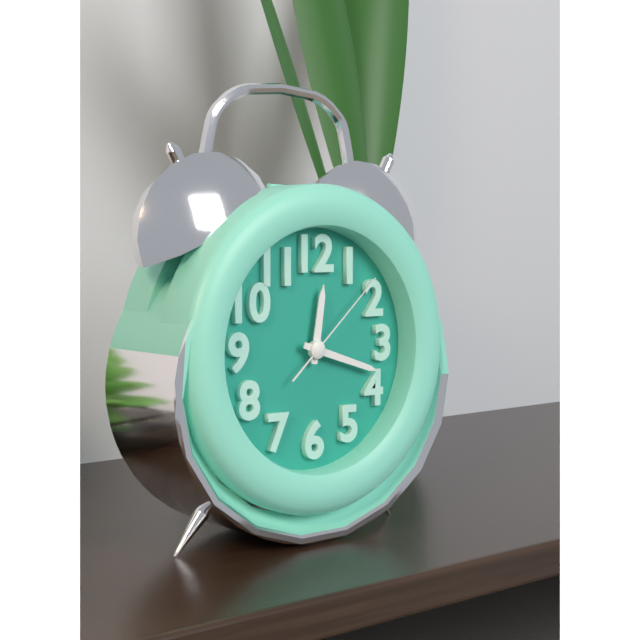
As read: 12.18.08
